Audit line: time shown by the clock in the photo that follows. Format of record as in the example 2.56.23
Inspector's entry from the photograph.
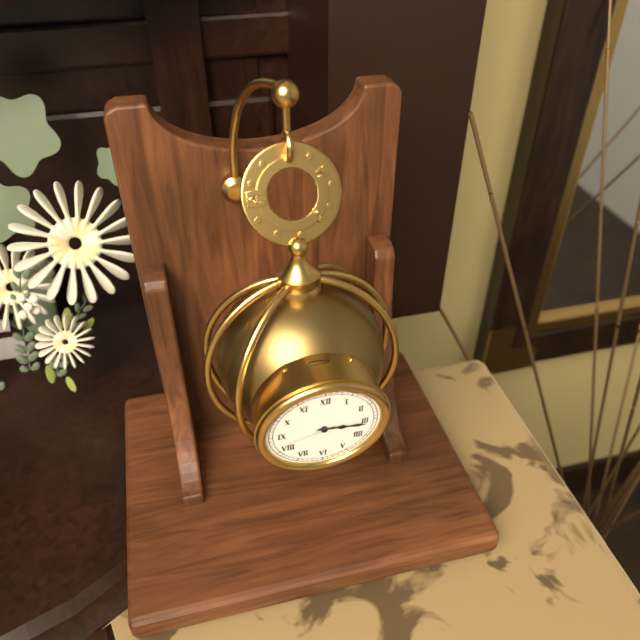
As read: 3.16.42
